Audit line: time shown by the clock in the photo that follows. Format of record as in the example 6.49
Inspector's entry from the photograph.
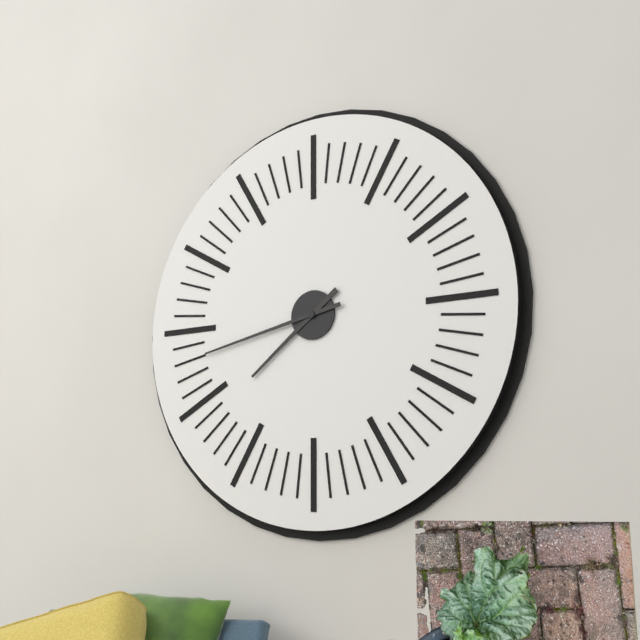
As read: 7.43
